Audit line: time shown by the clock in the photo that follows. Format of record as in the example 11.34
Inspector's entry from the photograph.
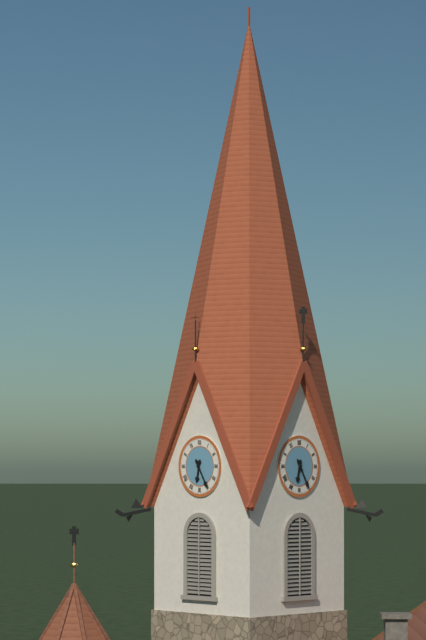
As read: 6.25
